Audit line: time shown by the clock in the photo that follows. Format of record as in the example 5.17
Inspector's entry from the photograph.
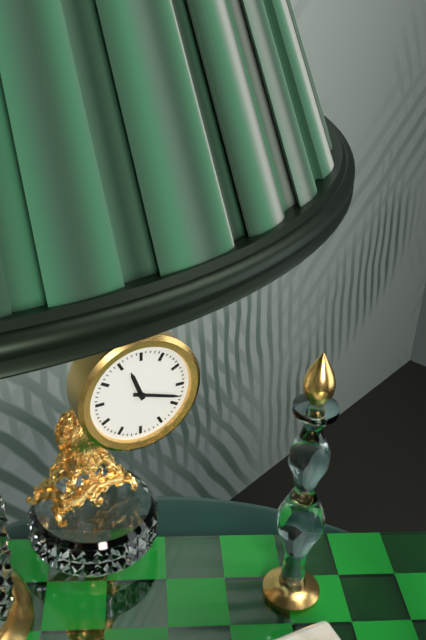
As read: 11.18
